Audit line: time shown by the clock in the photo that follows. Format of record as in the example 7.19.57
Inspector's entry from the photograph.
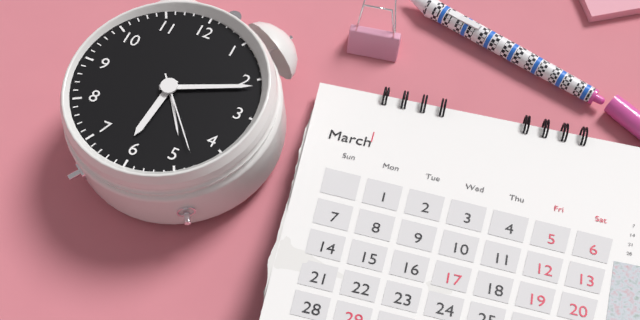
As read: 6.11.23
